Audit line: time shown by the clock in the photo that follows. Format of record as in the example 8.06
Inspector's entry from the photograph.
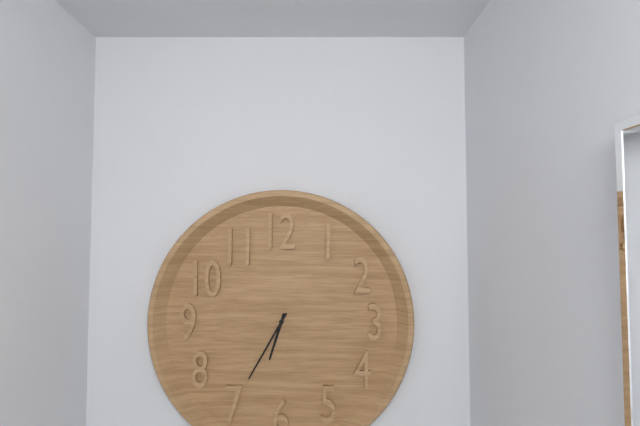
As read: 6.35
